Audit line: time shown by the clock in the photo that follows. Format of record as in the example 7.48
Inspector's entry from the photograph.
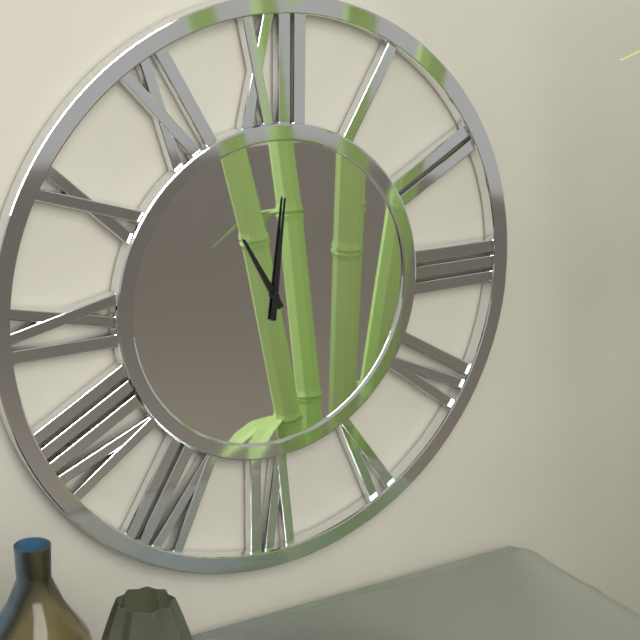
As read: 11.01
